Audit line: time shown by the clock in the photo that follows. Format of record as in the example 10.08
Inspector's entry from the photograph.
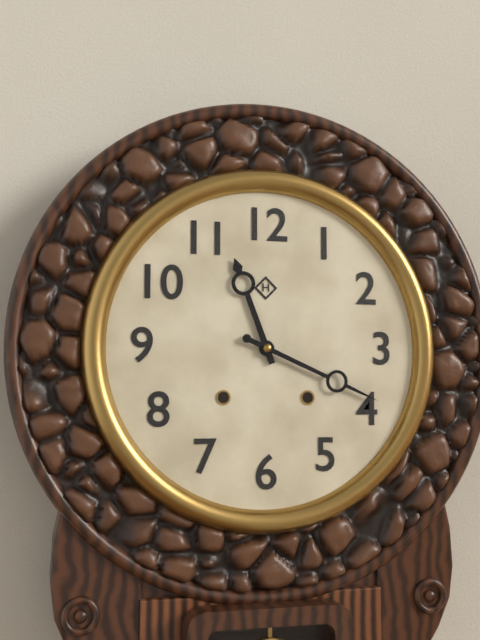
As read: 11.19
